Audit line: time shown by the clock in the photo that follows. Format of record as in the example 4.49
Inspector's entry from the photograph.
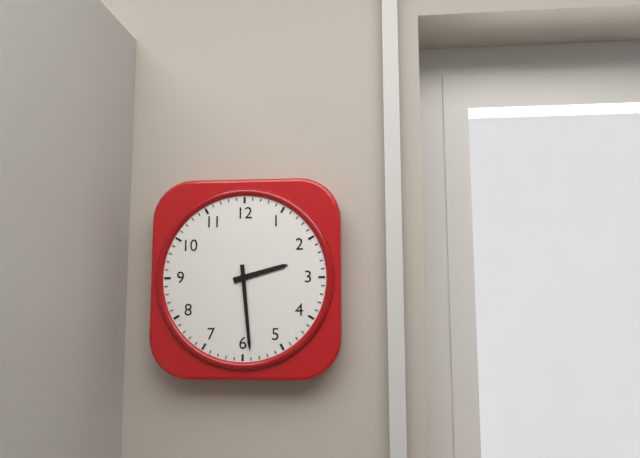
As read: 2.29
